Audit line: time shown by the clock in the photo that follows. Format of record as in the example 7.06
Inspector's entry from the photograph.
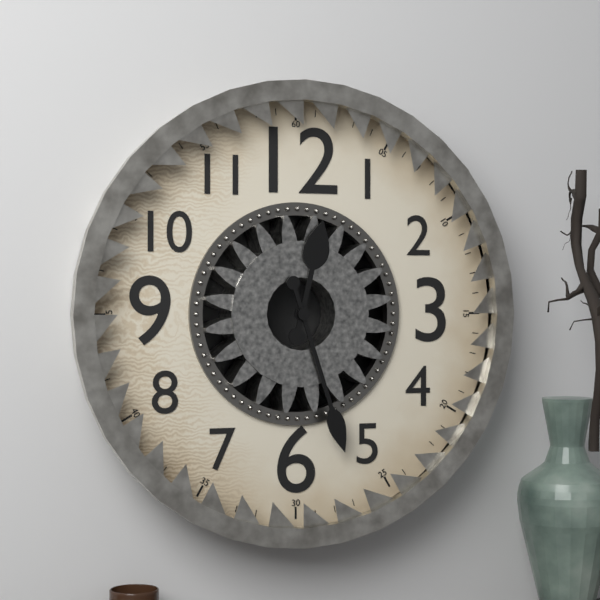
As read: 12.27
